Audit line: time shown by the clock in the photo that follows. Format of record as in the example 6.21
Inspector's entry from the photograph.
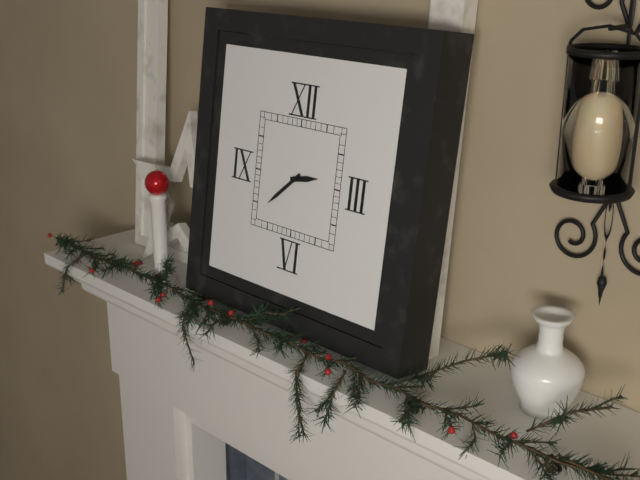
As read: 2.38
